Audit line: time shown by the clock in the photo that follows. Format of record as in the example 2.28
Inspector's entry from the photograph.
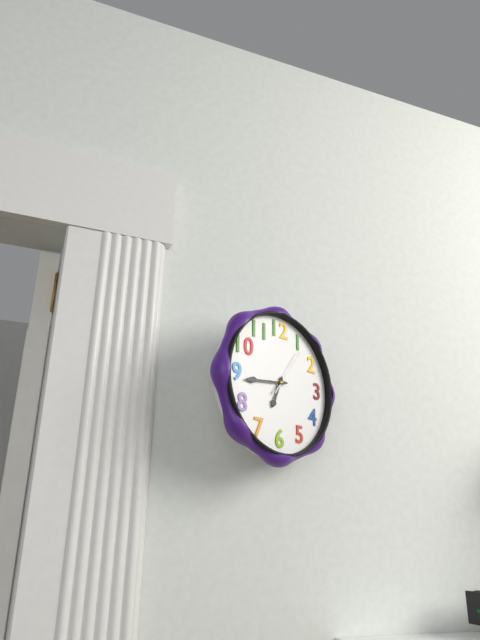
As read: 6.44
